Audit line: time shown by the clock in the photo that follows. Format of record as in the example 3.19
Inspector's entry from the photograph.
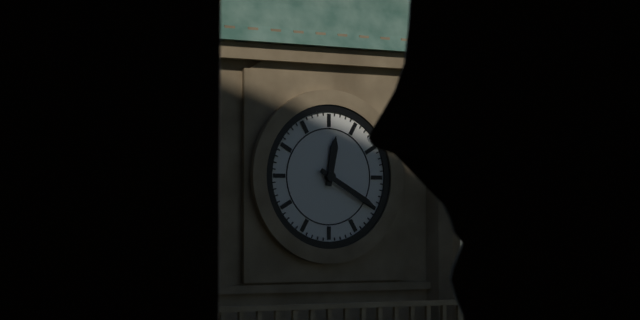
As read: 12.20
